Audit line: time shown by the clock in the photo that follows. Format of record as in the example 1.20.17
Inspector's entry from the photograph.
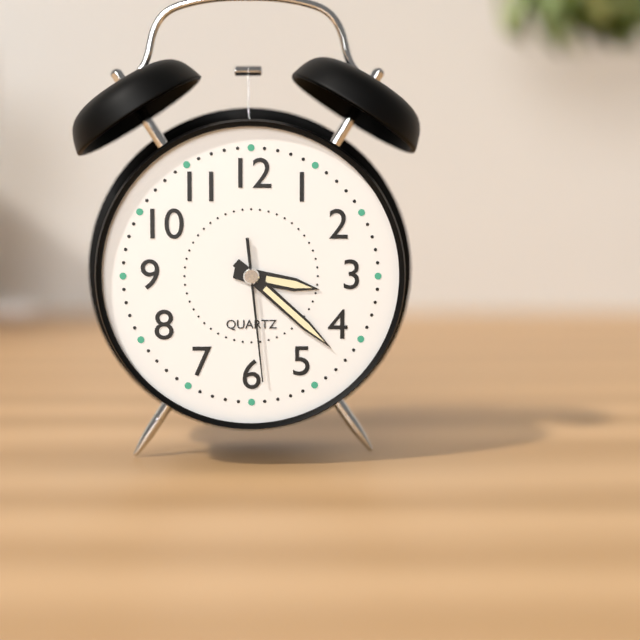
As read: 3.22.29
